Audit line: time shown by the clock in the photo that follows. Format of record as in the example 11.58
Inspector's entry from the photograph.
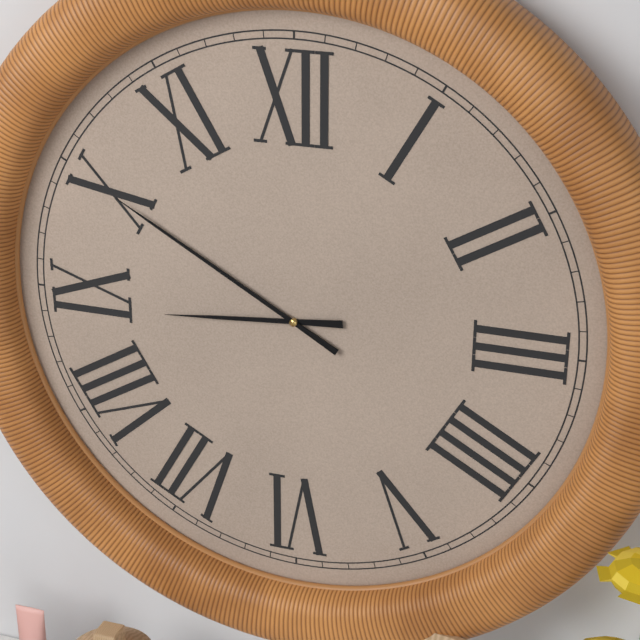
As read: 8.50
